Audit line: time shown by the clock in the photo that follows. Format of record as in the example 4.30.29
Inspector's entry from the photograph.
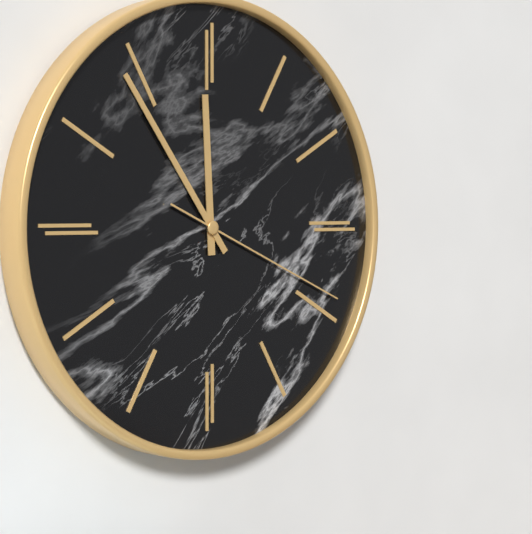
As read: 11.54.19
